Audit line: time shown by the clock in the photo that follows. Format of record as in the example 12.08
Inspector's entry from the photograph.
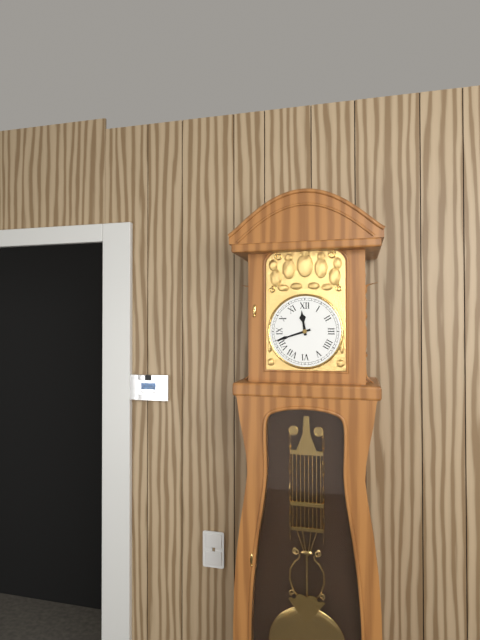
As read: 11.42
